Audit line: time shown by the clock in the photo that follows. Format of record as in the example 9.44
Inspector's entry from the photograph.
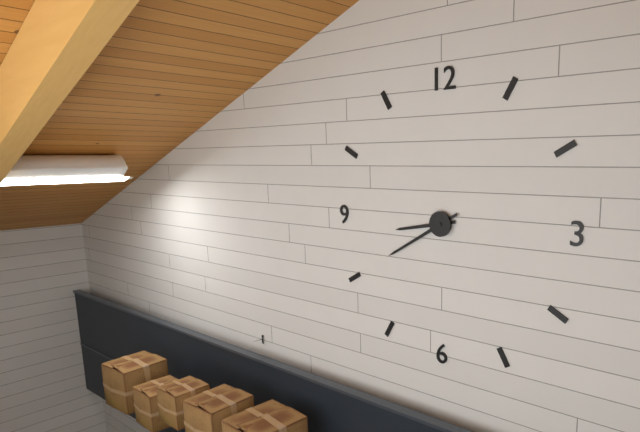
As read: 8.40
